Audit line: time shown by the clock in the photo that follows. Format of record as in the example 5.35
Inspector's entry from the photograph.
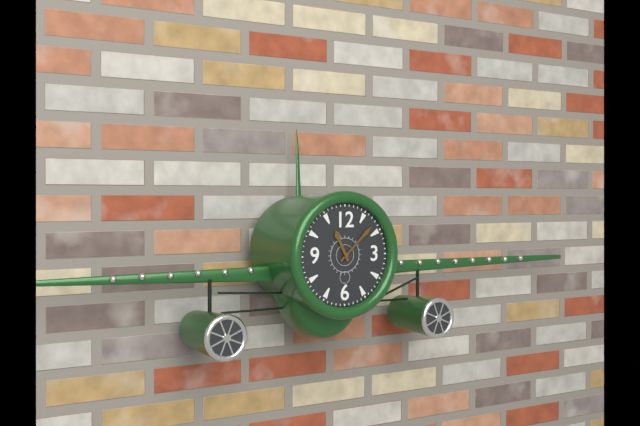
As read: 11.08
